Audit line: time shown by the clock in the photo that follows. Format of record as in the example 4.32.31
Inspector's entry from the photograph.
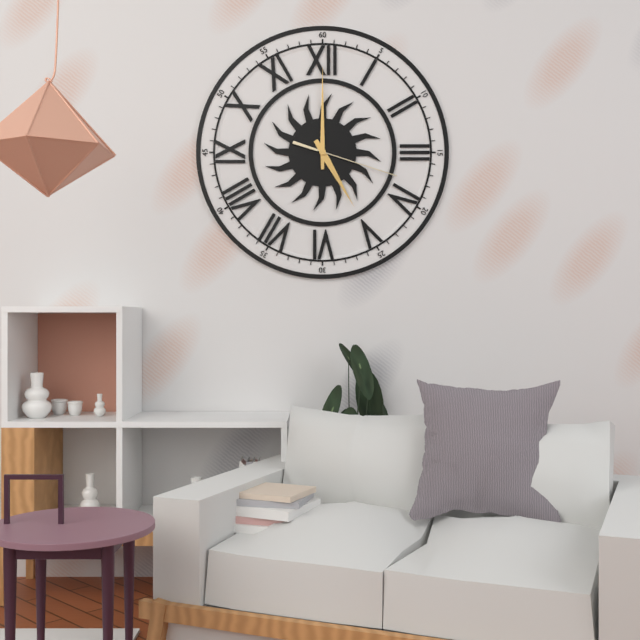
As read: 5.00.18
